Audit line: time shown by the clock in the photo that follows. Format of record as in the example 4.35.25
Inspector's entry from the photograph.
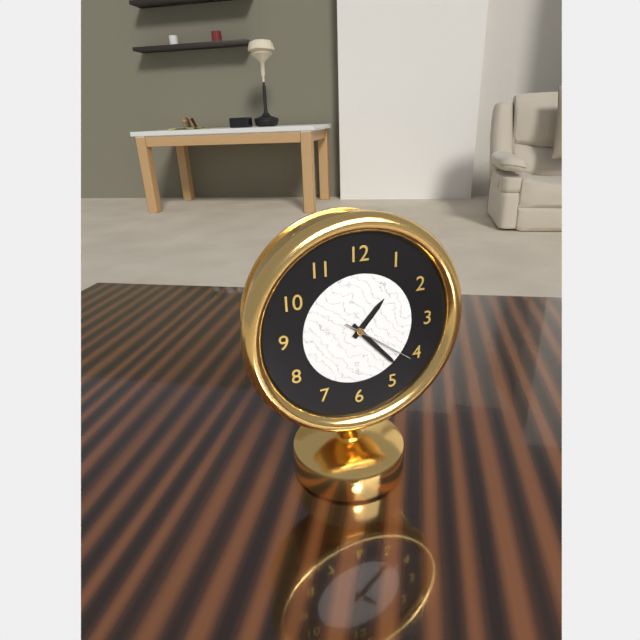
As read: 1.23.21
